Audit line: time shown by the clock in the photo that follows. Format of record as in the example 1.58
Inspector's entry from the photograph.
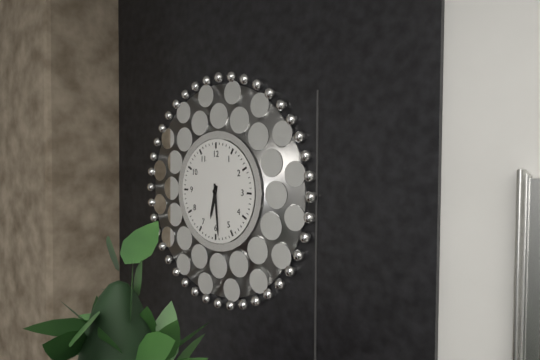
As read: 6.29
